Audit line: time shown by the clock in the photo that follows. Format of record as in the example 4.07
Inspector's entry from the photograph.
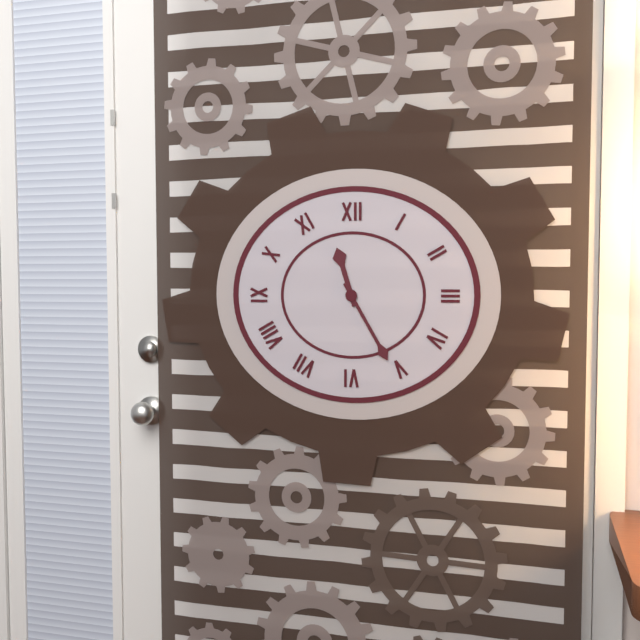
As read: 11.25
